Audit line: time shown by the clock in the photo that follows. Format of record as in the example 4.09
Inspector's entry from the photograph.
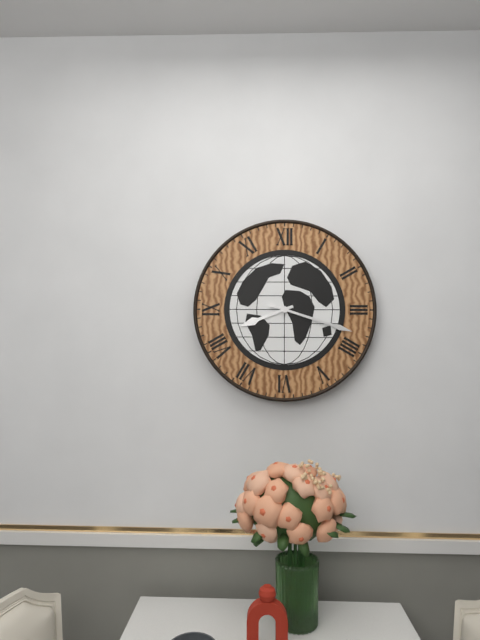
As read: 8.18
